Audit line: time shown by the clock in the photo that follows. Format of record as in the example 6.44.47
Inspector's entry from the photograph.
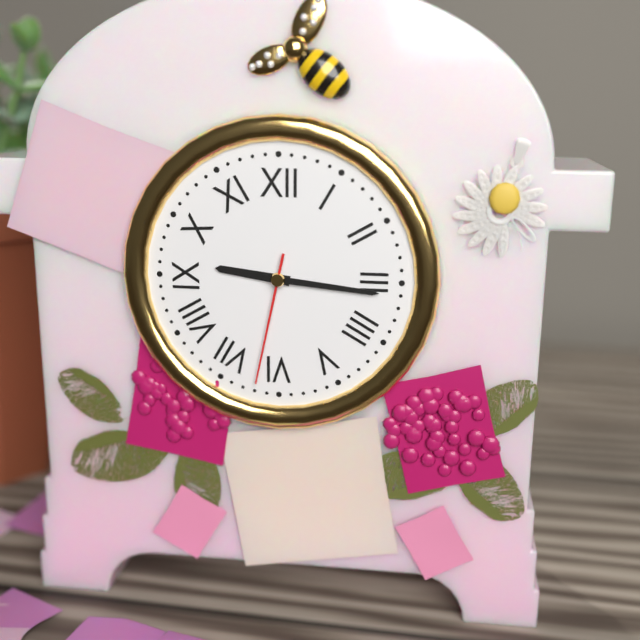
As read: 9.16.32
